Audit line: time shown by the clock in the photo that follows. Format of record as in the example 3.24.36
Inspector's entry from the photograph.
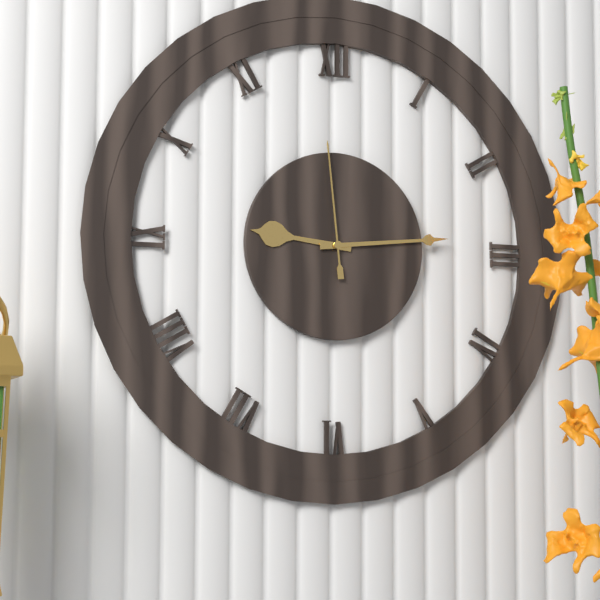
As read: 9.14.59
